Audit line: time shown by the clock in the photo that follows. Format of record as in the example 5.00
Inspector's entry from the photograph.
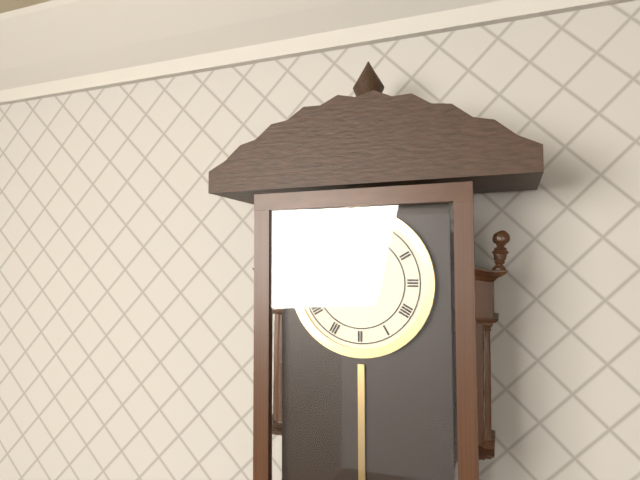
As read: 8.46
